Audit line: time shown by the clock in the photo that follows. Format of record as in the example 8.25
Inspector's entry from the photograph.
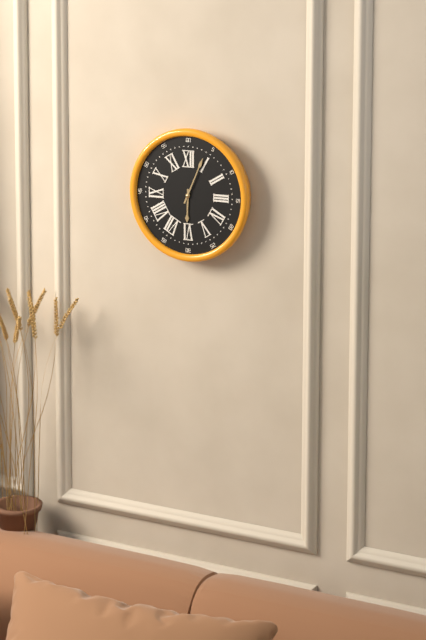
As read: 6.04
